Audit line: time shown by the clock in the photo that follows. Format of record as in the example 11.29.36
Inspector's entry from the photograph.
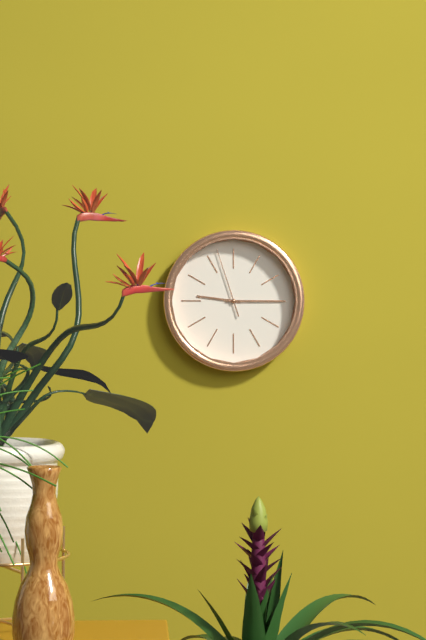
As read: 9.15.57
